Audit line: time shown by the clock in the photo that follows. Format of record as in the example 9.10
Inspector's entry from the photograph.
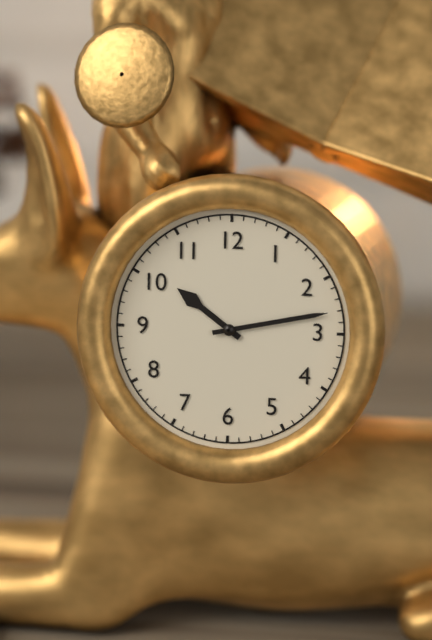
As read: 10.13
